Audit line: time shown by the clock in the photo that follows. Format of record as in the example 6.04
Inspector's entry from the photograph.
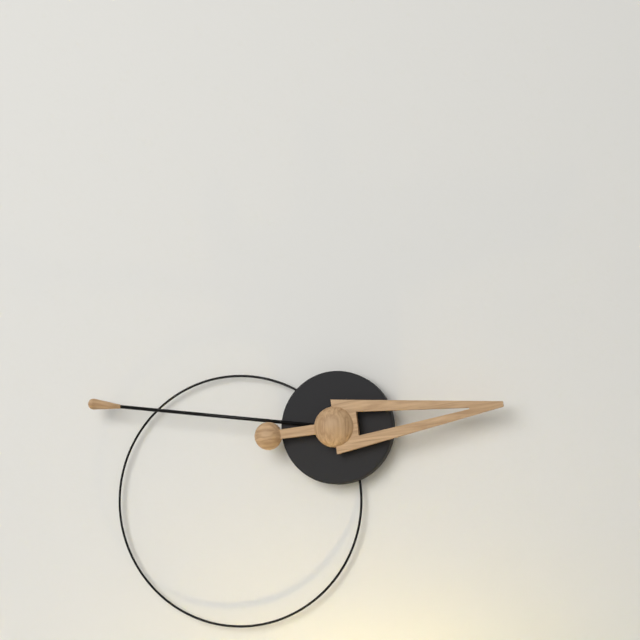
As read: 2.46
